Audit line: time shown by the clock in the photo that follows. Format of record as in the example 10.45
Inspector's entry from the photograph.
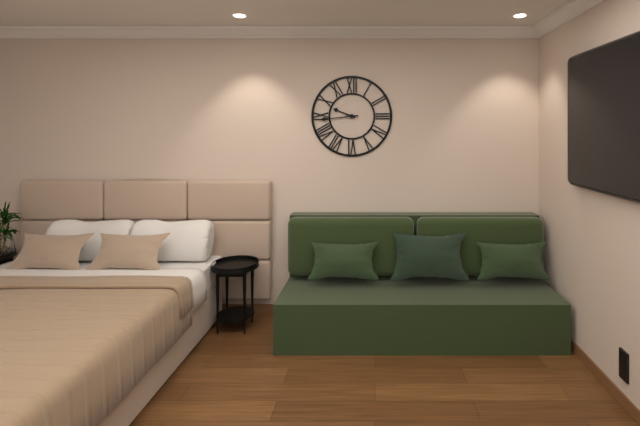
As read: 9.44
